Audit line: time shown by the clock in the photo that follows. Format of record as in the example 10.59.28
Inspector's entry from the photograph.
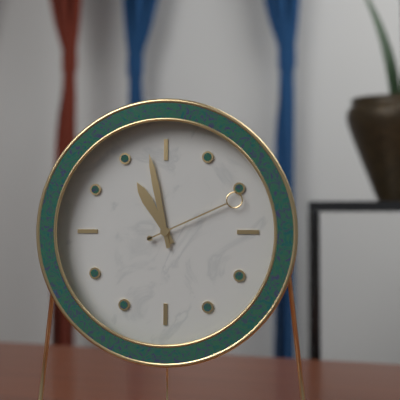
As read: 10.58.11
